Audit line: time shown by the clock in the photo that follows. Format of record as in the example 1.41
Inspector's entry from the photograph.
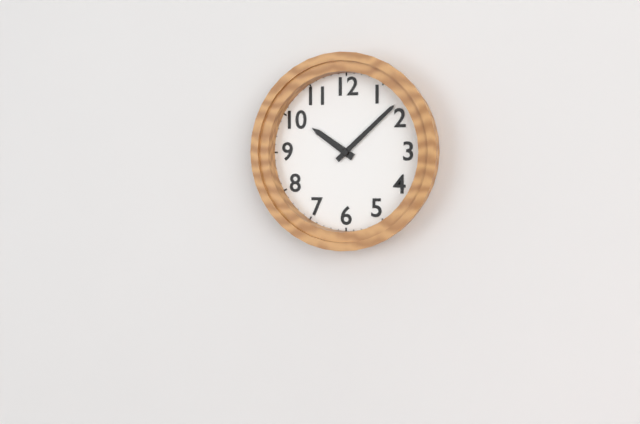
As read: 10.08
